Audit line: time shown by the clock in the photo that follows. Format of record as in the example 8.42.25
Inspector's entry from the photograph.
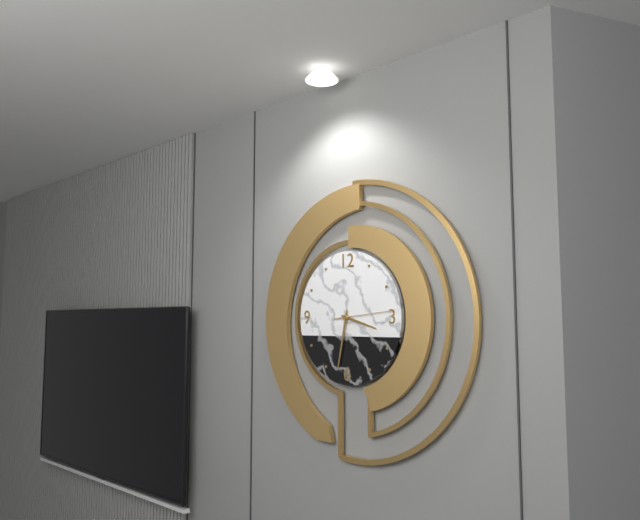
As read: 3.32.14
